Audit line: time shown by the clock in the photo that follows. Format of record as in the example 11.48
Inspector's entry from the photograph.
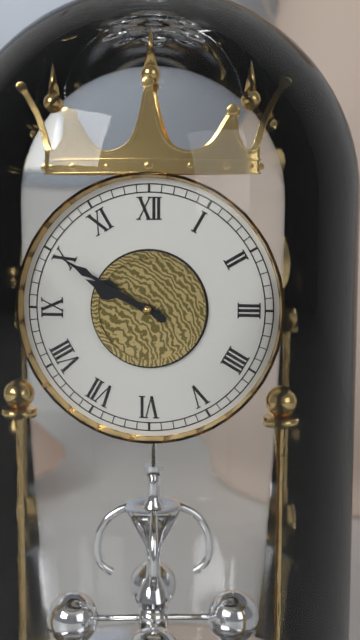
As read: 9.50
